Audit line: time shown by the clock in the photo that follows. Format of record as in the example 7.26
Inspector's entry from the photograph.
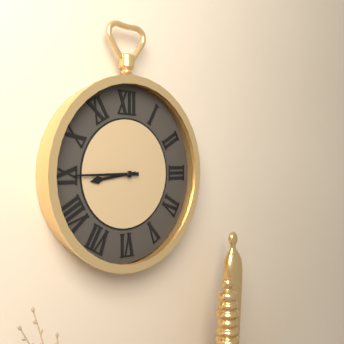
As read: 8.45
